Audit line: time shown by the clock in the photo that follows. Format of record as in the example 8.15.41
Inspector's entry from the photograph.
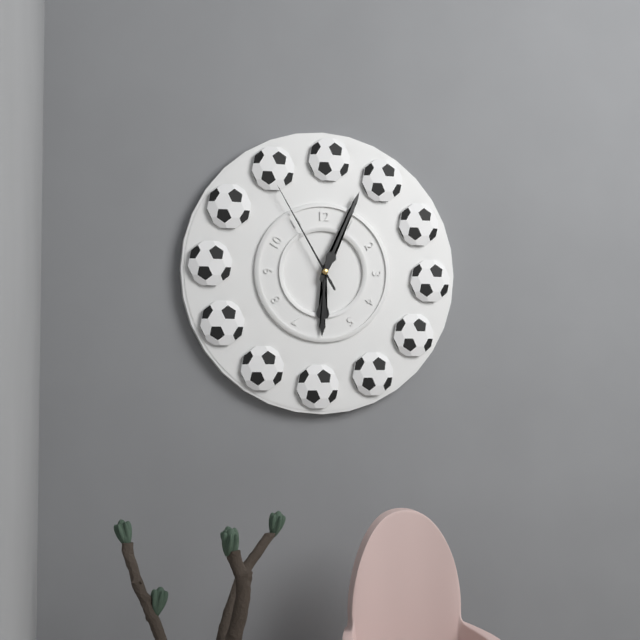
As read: 6.04.55
